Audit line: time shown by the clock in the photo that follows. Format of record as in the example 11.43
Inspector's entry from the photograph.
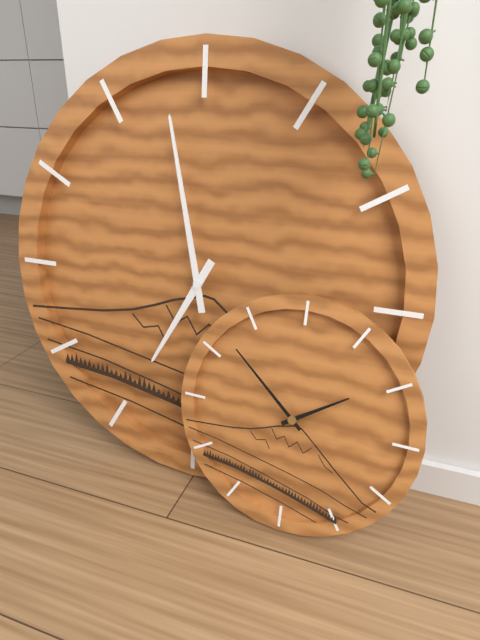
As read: 6.58
